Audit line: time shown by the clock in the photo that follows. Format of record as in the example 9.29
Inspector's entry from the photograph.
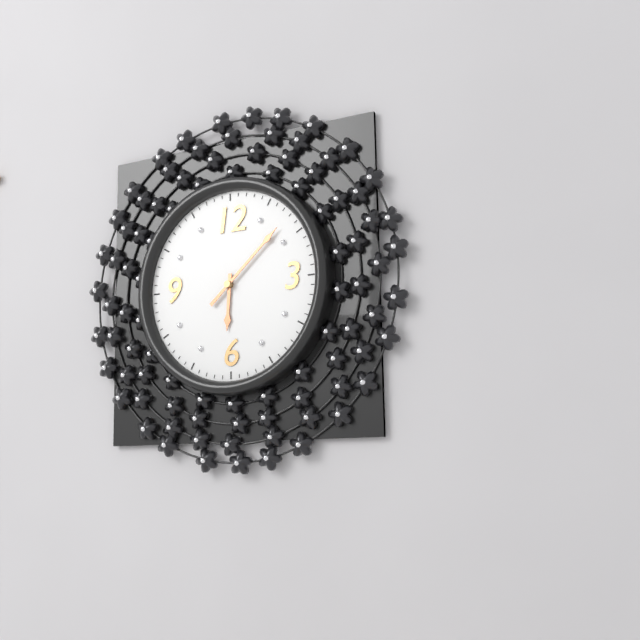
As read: 6.08
